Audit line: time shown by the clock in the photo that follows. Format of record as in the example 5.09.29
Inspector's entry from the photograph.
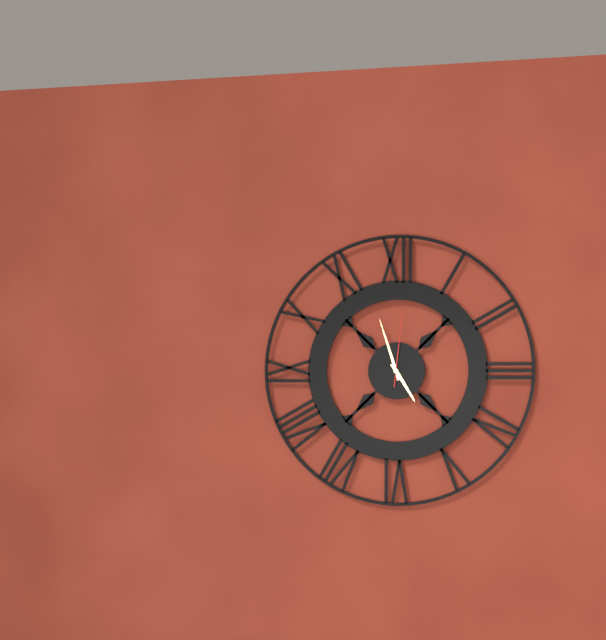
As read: 4.57.01
